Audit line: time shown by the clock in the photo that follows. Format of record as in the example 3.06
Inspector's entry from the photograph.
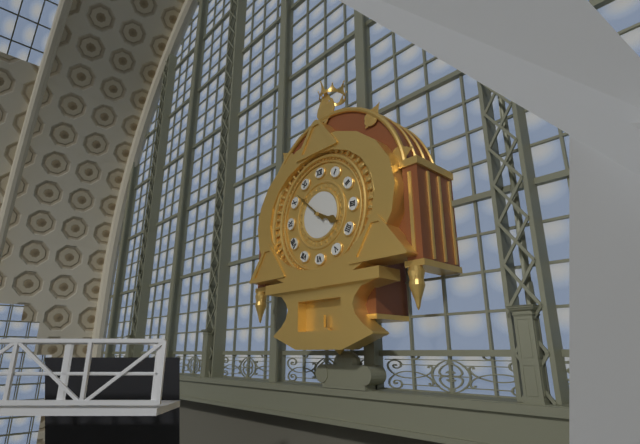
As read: 3.52
